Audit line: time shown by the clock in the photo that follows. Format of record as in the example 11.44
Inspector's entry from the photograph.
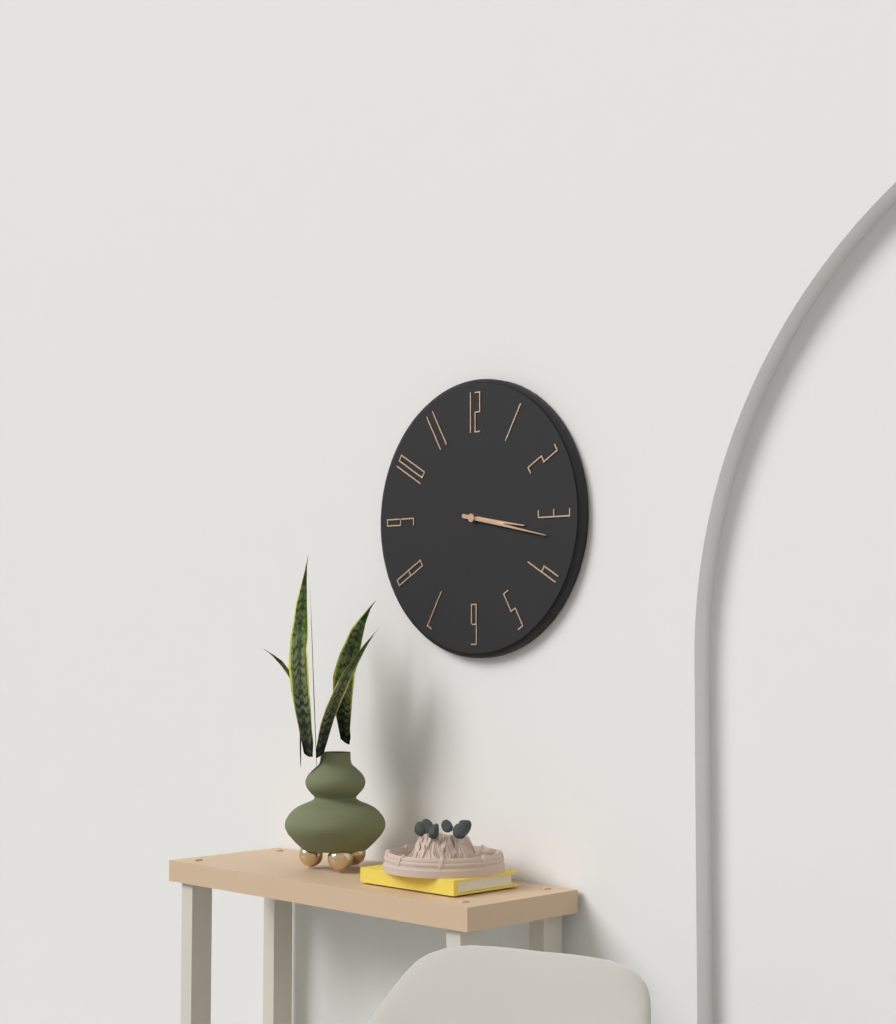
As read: 3.17
